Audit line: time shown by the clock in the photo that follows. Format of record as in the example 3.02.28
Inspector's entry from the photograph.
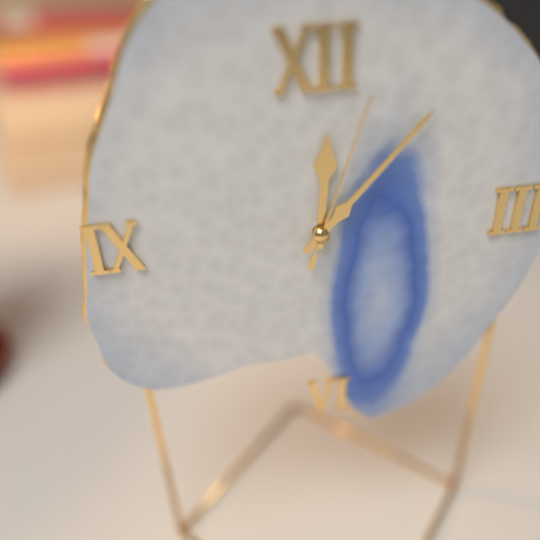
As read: 12.07.03
